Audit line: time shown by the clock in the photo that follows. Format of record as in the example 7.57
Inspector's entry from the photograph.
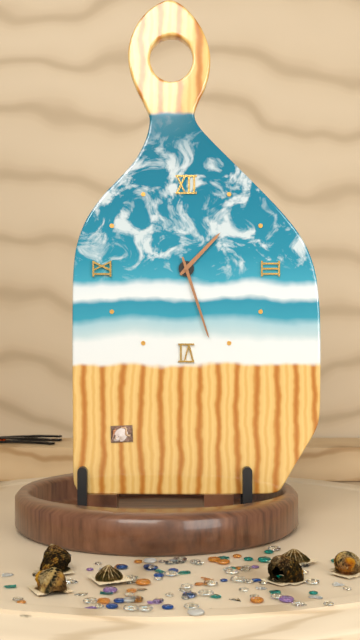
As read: 1.27
